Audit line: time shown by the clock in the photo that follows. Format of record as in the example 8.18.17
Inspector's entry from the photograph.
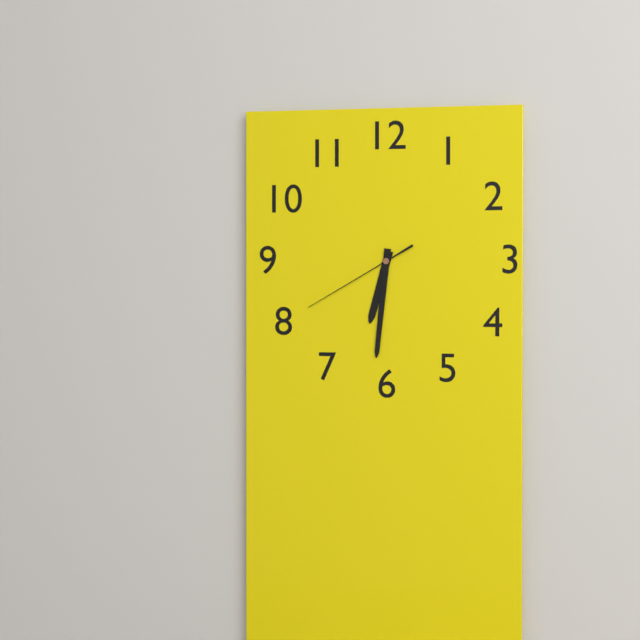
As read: 6.31.40
